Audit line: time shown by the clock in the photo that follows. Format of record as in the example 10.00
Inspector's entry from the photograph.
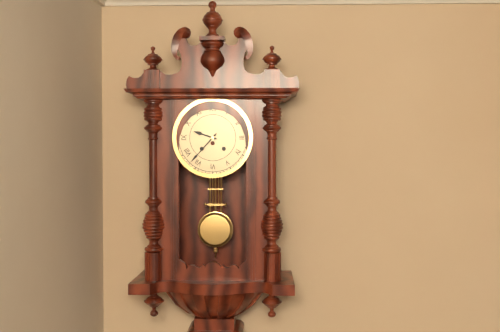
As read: 9.37
